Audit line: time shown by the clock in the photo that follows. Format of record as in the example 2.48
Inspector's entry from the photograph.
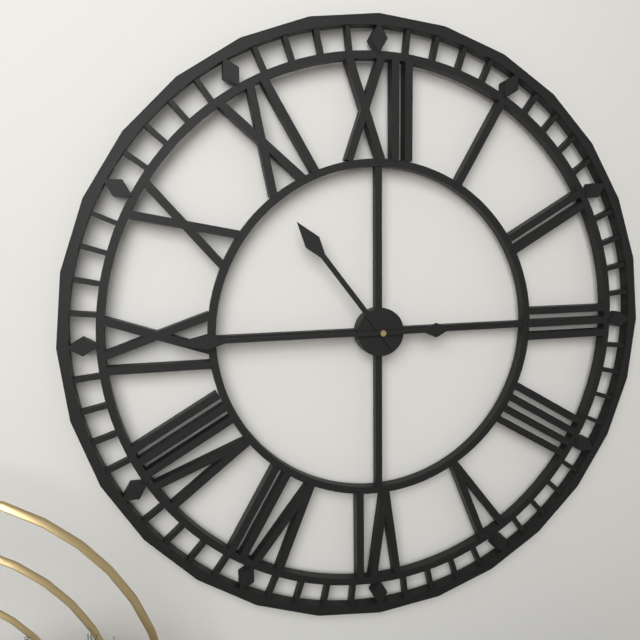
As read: 10.45
